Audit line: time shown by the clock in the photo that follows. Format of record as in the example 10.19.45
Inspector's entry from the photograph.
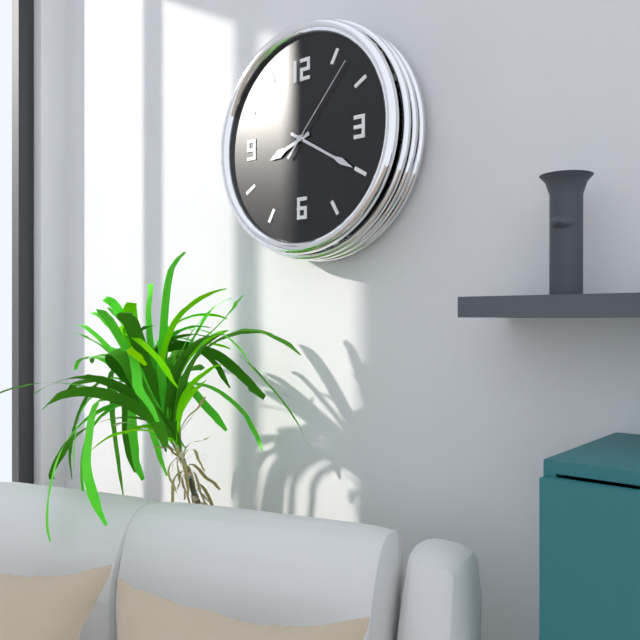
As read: 8.20.07
